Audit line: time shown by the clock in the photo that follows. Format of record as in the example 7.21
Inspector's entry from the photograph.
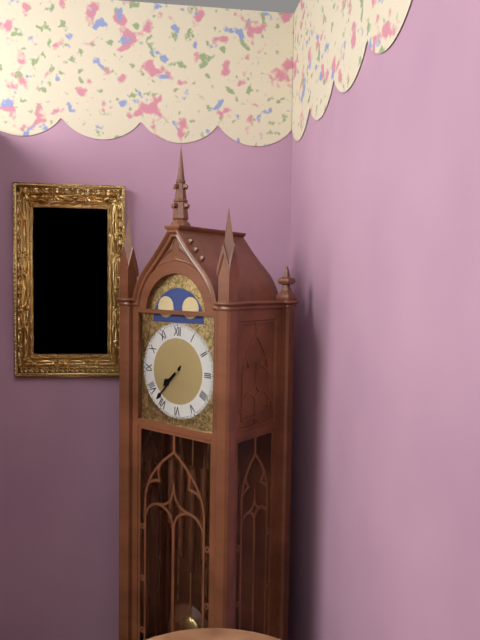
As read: 7.37
